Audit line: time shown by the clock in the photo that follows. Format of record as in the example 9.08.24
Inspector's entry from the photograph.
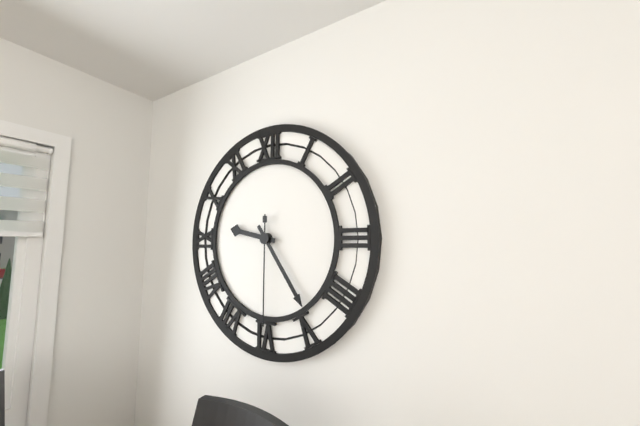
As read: 9.24.30
